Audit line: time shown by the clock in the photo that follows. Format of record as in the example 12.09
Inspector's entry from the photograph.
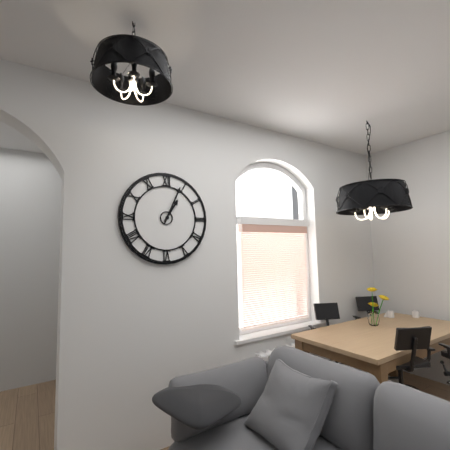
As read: 1.04
